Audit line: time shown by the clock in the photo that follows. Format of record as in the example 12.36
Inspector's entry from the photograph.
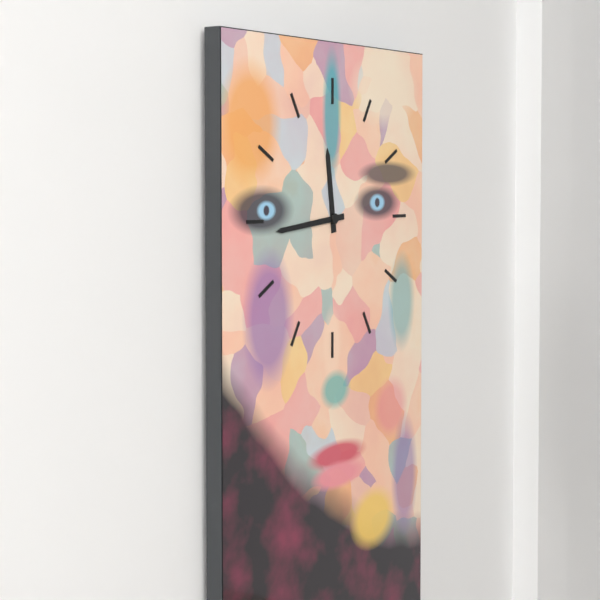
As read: 11.44
